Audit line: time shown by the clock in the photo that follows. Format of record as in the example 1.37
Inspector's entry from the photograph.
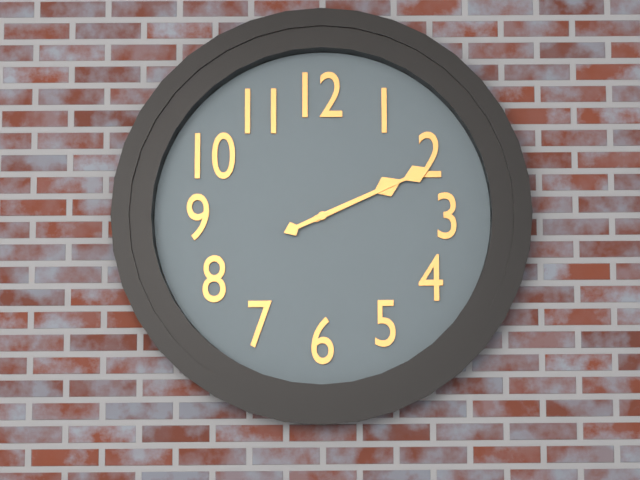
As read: 2.11
